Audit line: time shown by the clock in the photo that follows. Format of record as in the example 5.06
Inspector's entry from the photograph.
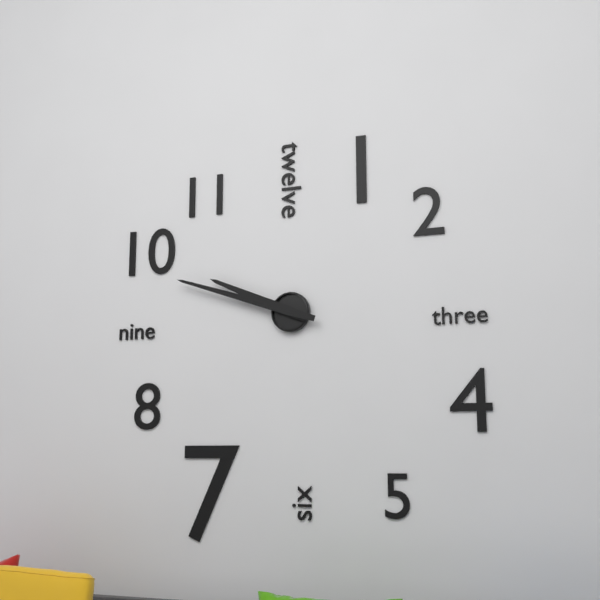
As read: 9.48
